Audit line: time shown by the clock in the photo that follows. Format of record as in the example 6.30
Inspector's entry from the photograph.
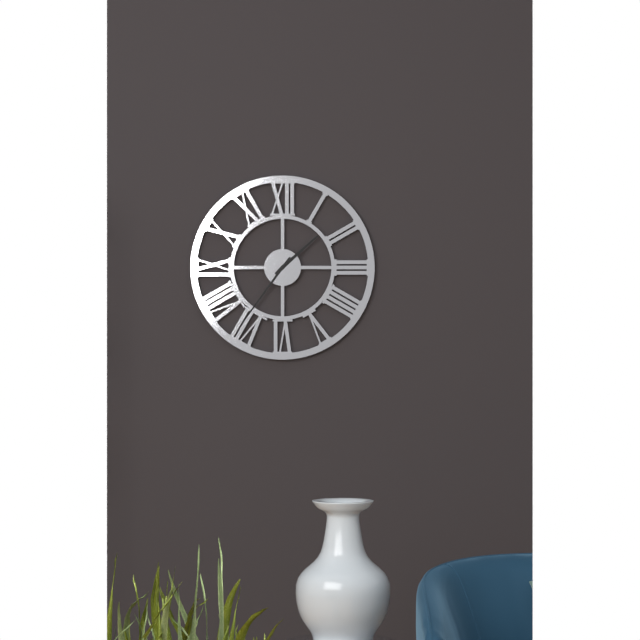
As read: 1.36
